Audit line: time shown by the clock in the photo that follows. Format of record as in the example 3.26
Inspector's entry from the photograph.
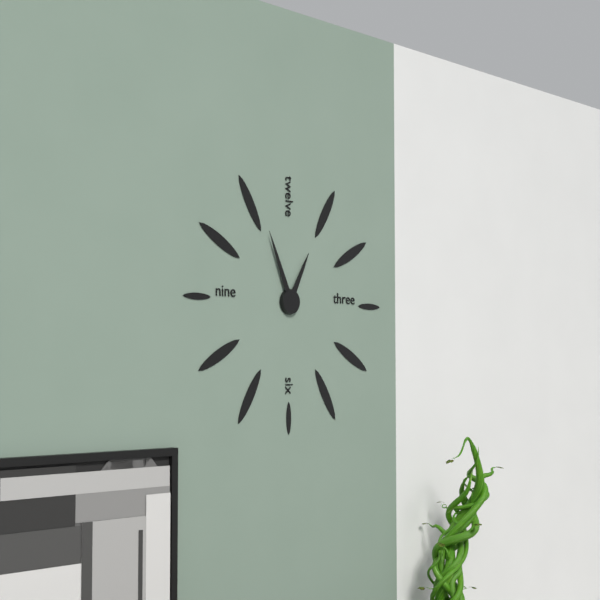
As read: 12.56
